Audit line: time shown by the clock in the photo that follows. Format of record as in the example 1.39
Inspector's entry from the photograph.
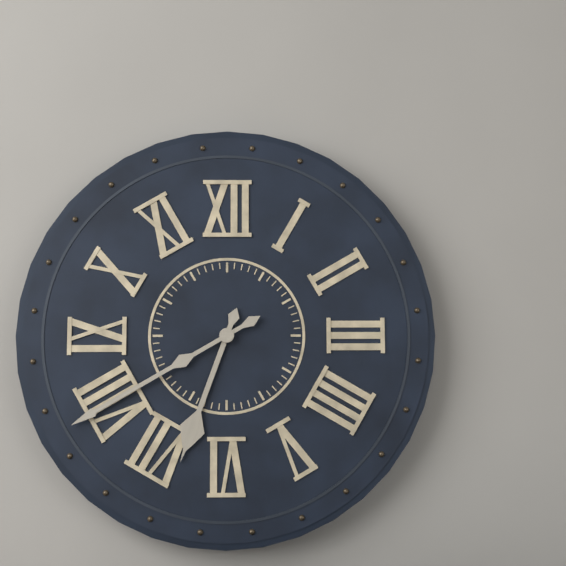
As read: 6.40
